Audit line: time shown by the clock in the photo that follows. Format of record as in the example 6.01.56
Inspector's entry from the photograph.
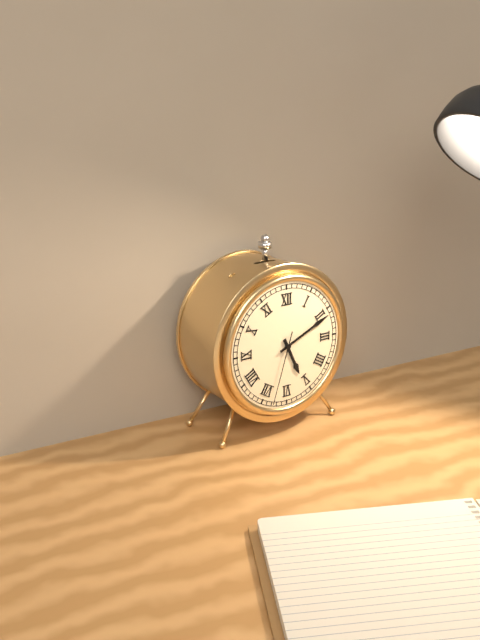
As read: 5.11.33
